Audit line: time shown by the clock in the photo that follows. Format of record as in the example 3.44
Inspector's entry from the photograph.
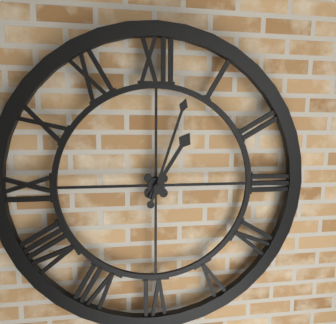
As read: 1.03
